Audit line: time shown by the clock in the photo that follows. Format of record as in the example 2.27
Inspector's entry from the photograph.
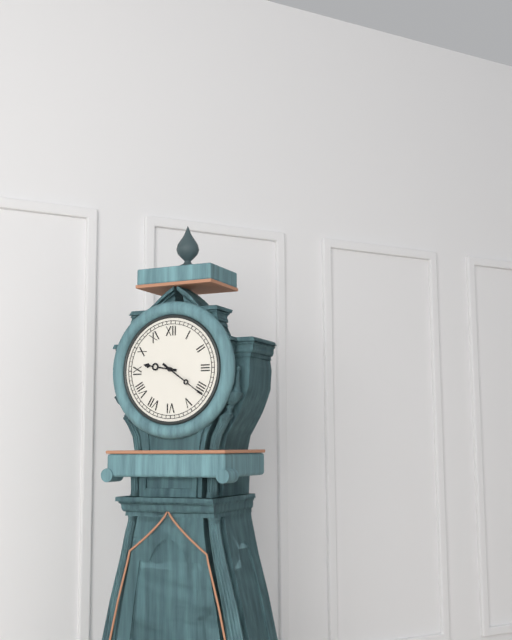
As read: 9.21
